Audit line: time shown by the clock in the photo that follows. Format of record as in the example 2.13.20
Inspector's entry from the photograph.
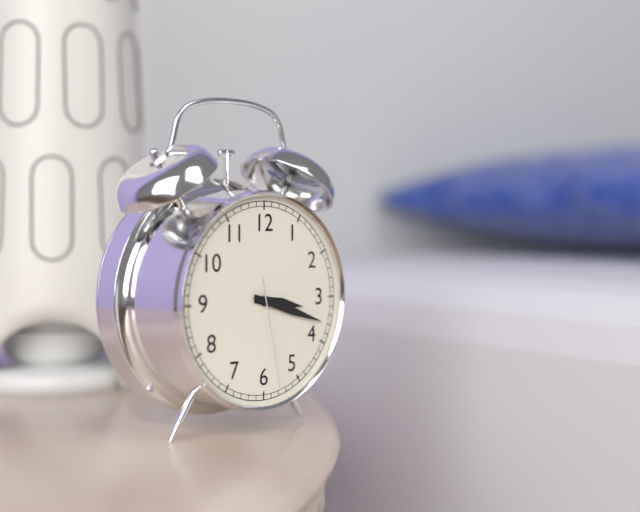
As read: 3.18.28
